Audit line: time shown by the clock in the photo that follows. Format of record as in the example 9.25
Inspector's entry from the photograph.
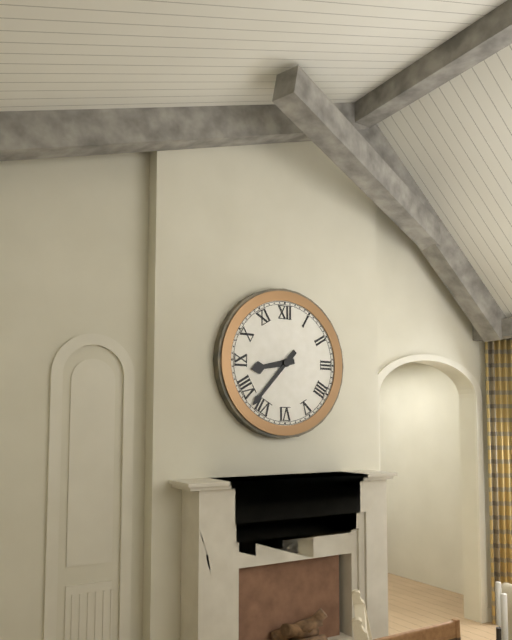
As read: 8.37
